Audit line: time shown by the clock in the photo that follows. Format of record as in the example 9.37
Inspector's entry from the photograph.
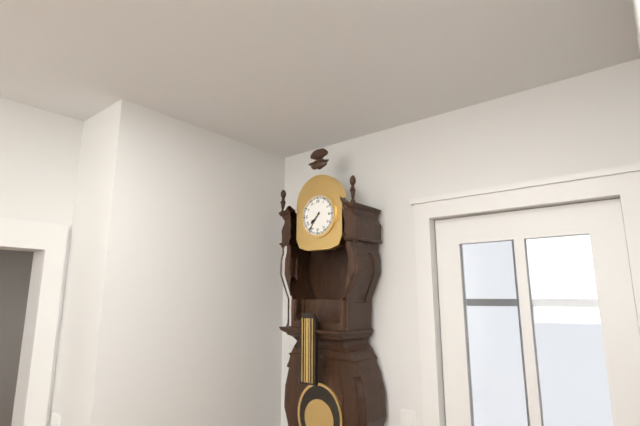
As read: 7.36
